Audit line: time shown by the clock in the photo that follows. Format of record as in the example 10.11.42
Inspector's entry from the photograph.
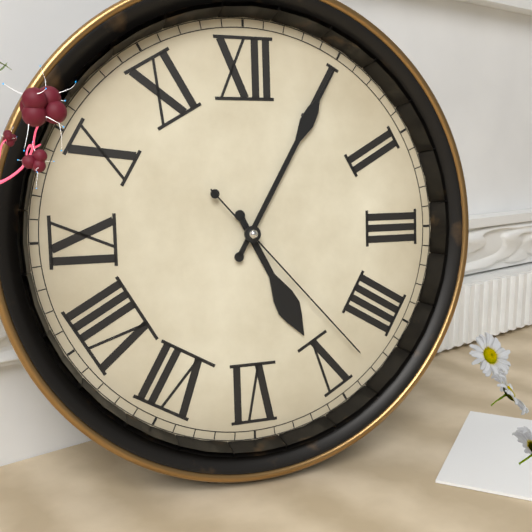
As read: 5.05.23
